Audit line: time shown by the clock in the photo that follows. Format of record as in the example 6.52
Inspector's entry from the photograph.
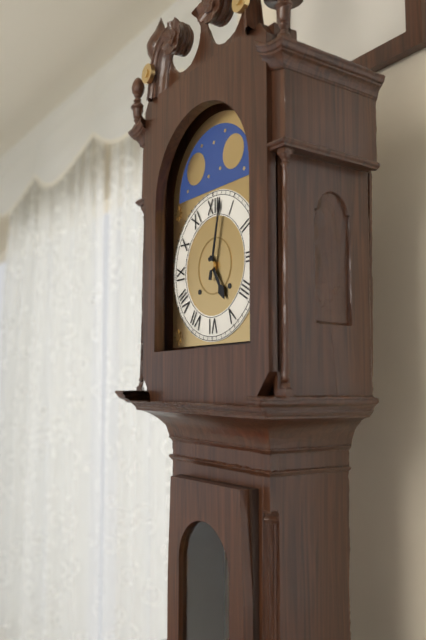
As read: 5.02
